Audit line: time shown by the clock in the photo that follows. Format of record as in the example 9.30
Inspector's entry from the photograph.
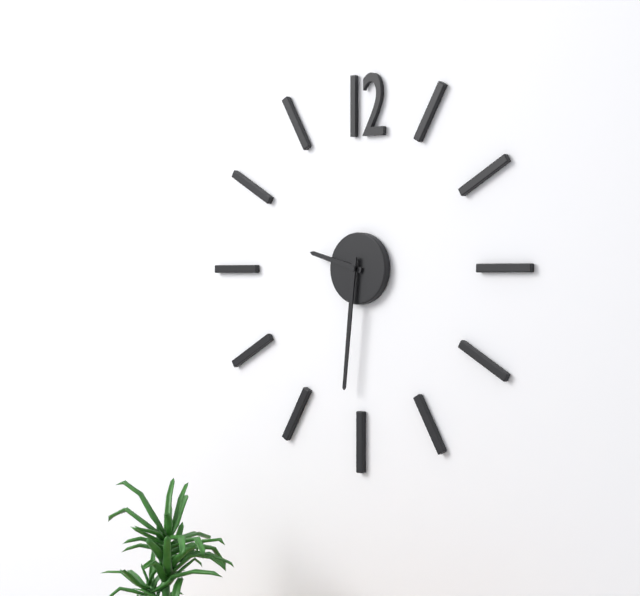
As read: 9.31
